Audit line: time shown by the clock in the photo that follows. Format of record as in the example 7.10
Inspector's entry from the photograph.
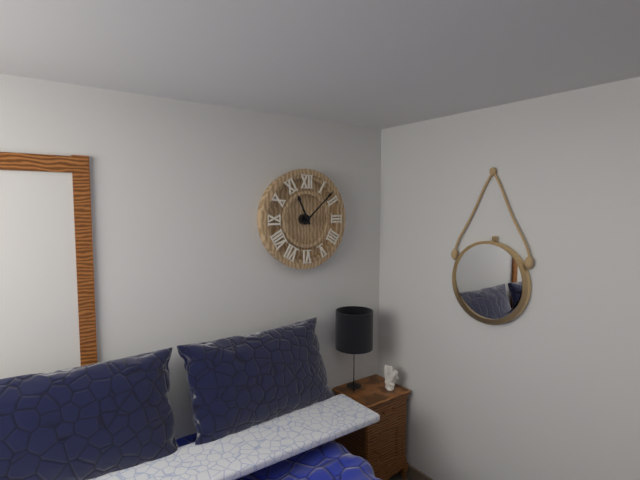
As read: 11.08
